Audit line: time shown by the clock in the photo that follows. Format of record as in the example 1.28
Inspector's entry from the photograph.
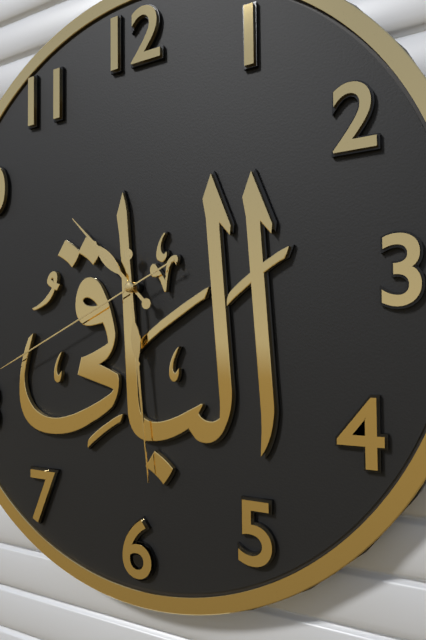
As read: 10.29
